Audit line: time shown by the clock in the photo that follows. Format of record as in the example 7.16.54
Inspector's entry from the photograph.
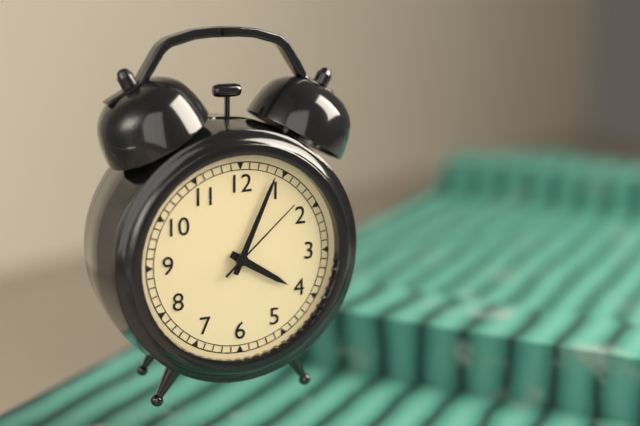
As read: 4.04.08
